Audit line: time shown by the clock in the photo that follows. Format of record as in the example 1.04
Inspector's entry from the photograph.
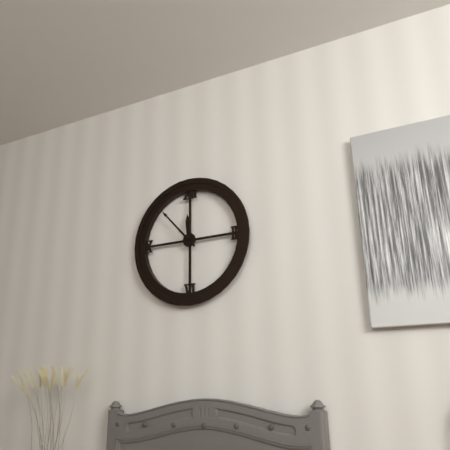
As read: 11.53
